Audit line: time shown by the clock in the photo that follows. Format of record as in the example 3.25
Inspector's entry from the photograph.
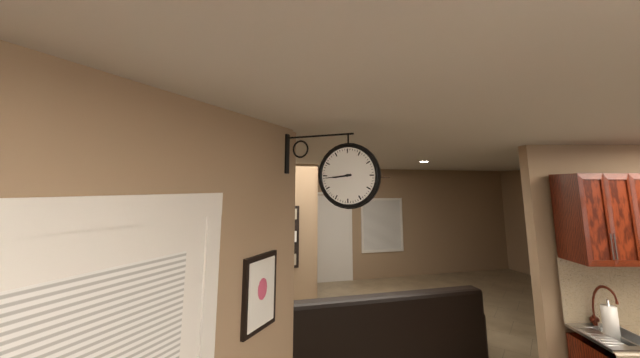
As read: 8.44
